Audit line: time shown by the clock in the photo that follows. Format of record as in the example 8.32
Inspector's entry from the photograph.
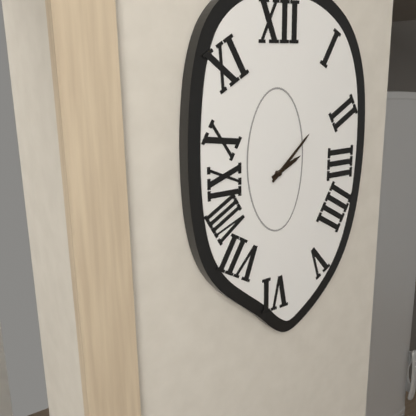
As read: 2.08
